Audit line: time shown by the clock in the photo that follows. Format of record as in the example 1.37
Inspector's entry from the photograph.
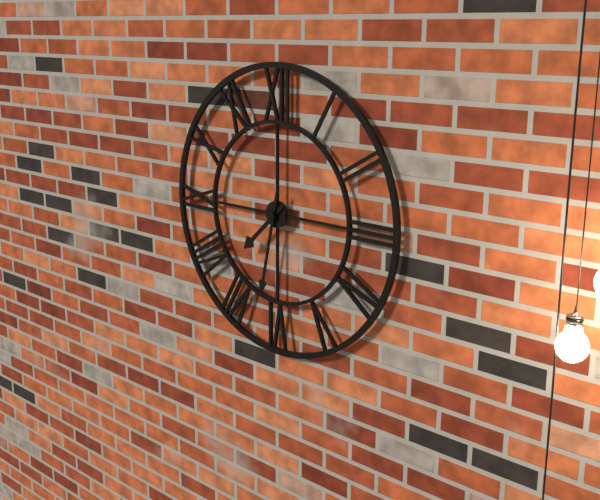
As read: 7.32
